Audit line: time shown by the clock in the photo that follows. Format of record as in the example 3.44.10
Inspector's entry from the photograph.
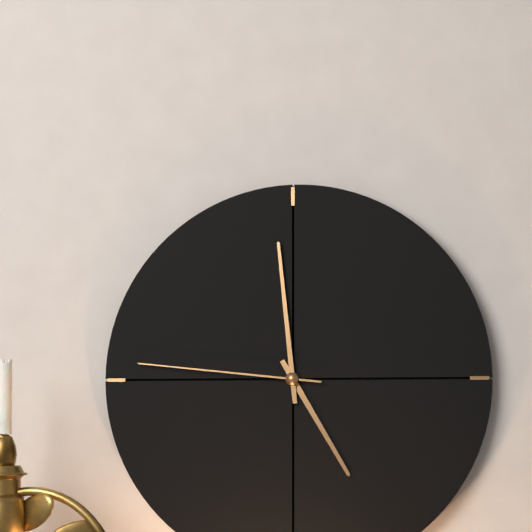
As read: 4.59.46
